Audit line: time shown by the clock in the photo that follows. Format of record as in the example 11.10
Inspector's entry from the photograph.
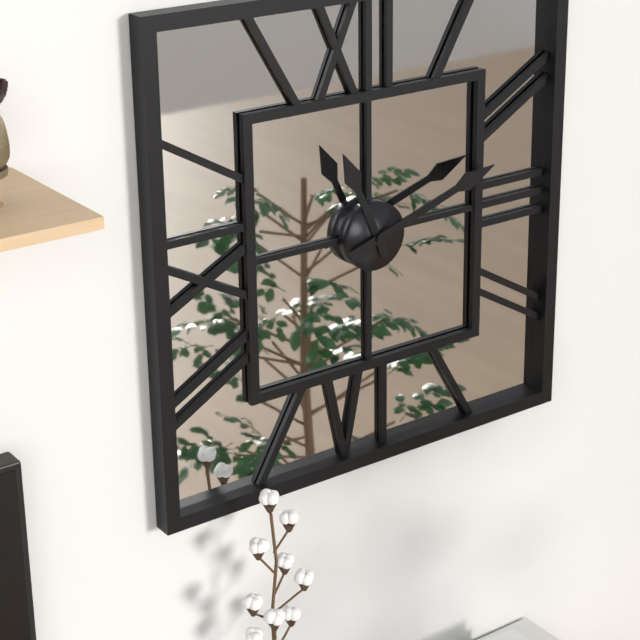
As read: 11.12
